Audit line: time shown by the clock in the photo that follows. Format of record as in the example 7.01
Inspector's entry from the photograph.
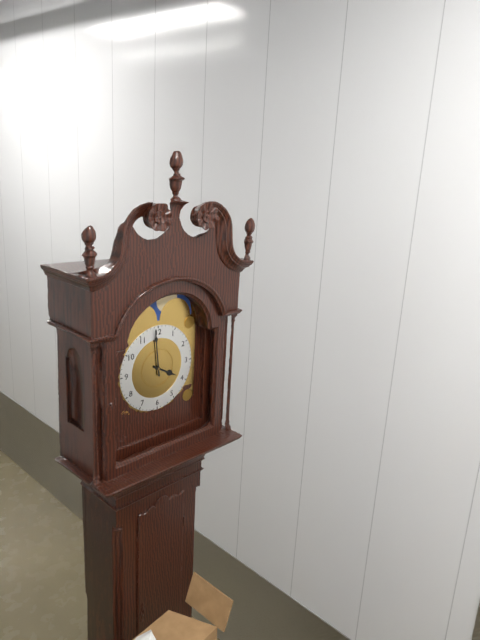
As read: 3.59
